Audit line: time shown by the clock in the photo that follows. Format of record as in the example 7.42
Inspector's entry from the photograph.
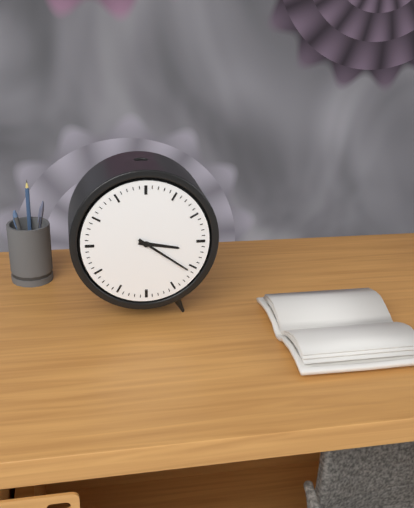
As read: 3.21
